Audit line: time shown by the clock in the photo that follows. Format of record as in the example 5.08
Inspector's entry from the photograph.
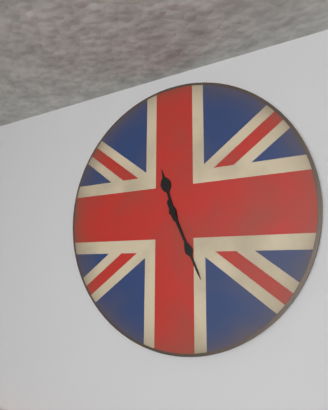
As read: 11.26
